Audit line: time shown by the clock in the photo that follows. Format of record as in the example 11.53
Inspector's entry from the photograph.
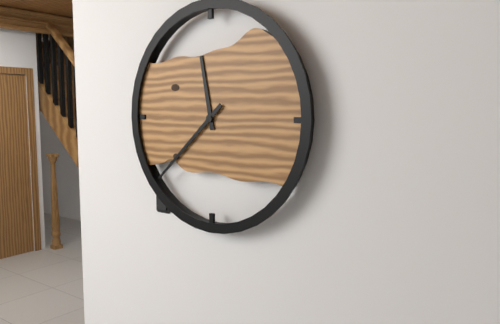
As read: 11.38
